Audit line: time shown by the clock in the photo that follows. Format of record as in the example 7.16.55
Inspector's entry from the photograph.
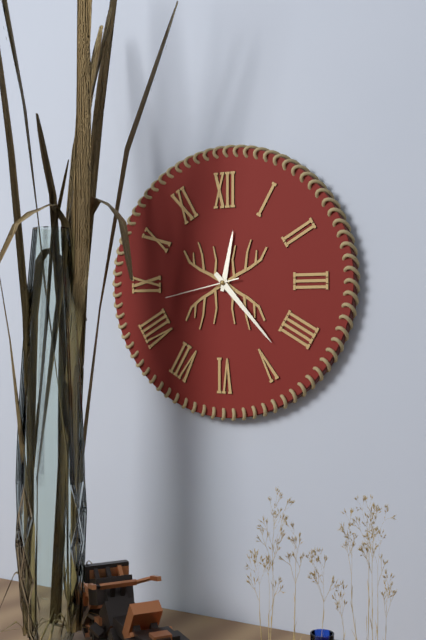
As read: 12.23.43
